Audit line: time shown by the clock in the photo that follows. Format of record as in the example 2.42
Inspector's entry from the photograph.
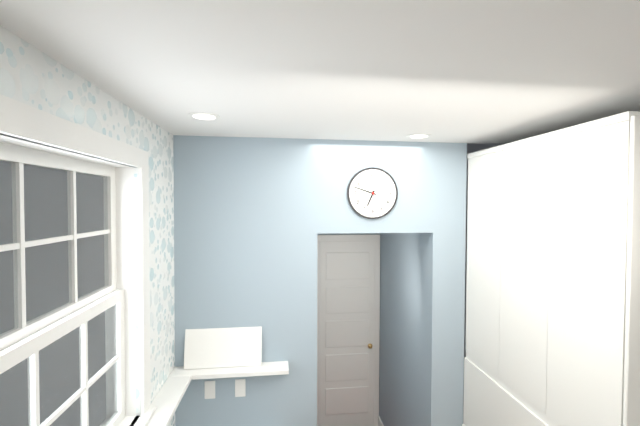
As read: 6.48
